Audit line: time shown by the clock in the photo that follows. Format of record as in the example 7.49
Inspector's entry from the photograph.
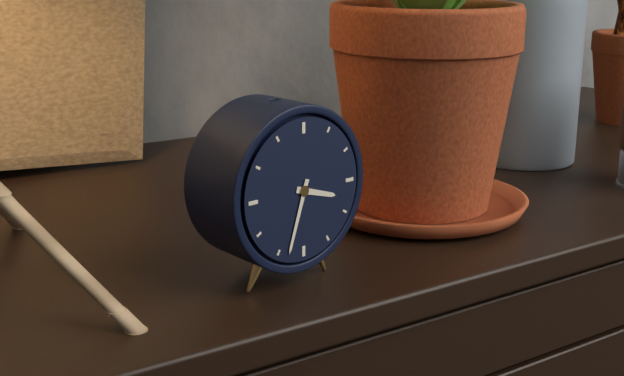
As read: 3.33
